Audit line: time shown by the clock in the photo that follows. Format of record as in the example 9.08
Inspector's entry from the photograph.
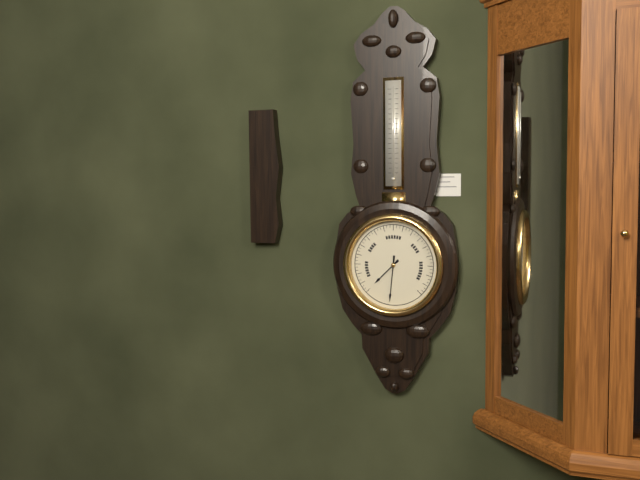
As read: 7.31
